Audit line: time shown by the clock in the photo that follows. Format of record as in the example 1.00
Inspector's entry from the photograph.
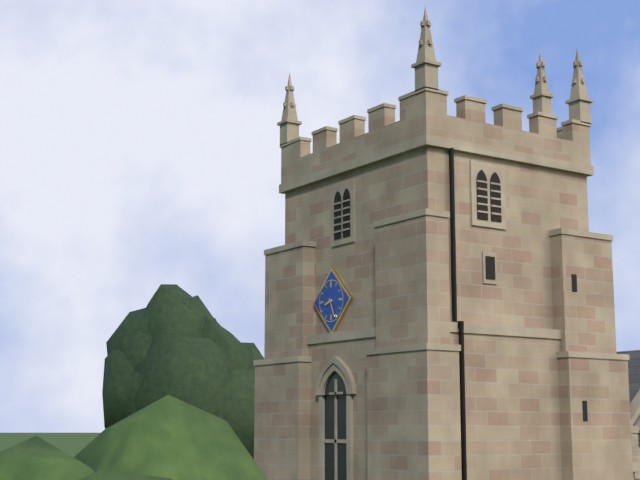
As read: 8.26
